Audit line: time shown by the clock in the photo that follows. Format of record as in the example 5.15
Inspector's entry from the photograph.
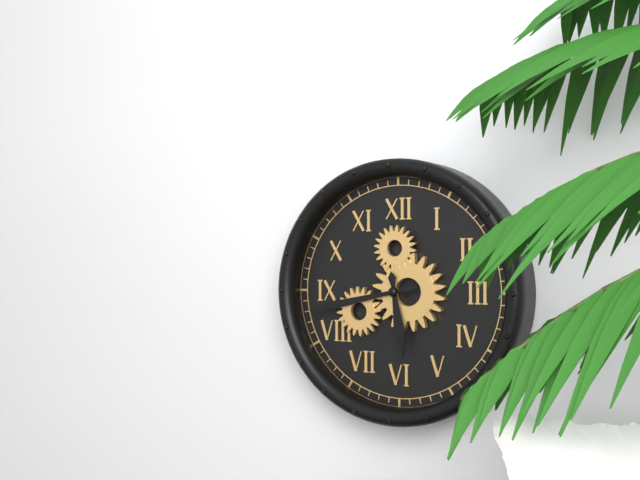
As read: 5.43
